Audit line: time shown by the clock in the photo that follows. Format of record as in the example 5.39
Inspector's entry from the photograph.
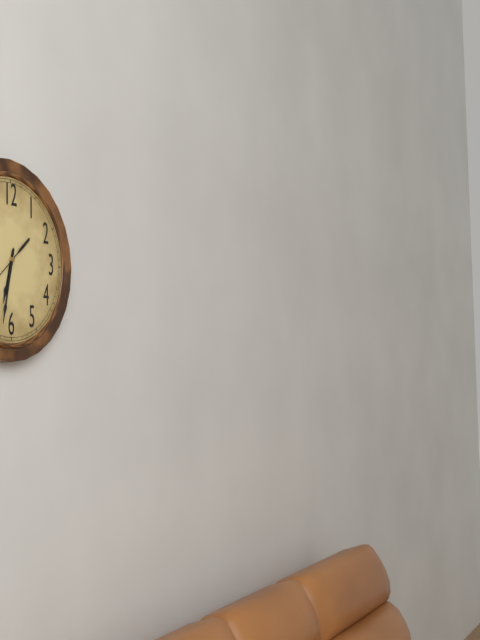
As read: 6.32
